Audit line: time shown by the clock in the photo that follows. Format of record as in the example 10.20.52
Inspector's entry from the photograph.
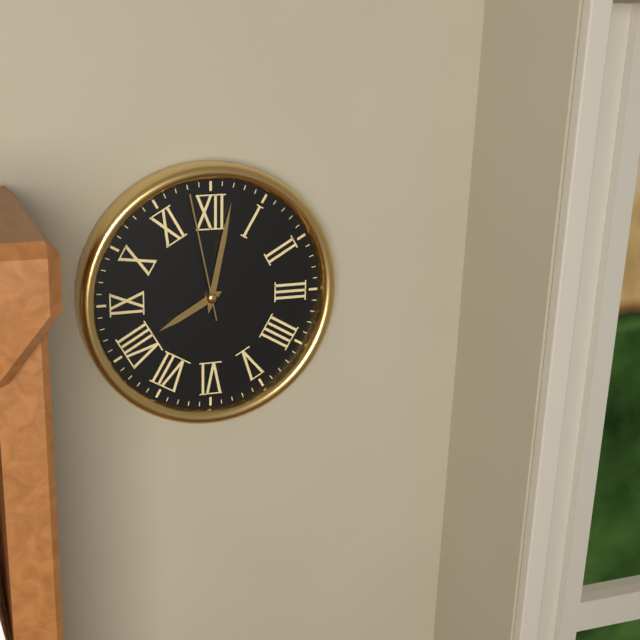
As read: 8.02.58
